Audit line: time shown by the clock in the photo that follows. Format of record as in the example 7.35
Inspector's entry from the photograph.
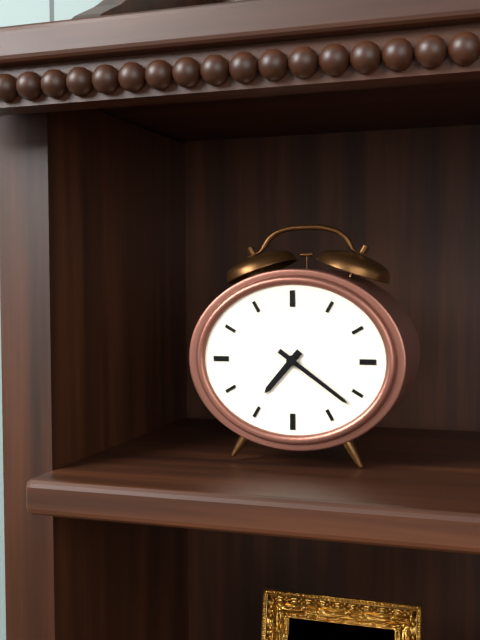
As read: 7.21
